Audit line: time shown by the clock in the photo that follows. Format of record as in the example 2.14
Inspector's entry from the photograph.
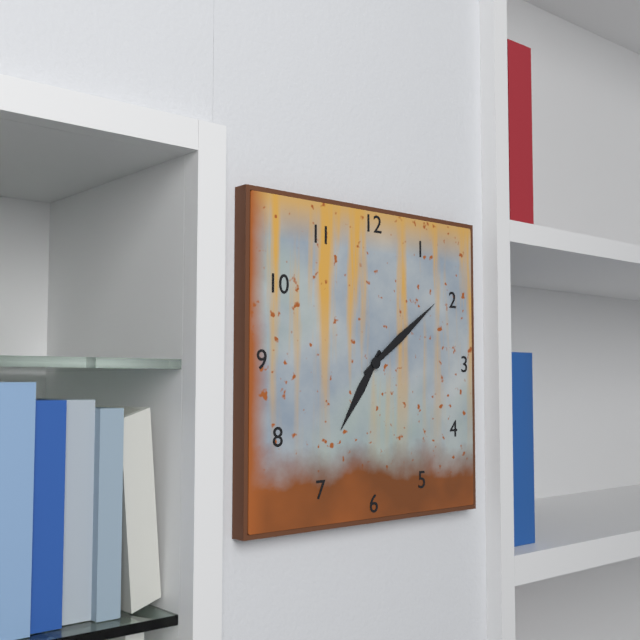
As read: 7.09
